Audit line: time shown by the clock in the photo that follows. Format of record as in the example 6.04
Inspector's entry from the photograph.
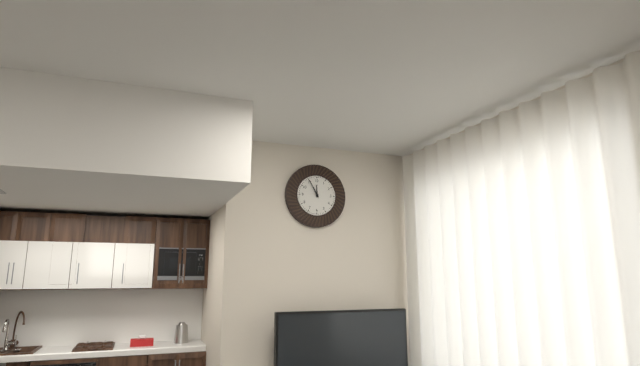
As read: 11.55
